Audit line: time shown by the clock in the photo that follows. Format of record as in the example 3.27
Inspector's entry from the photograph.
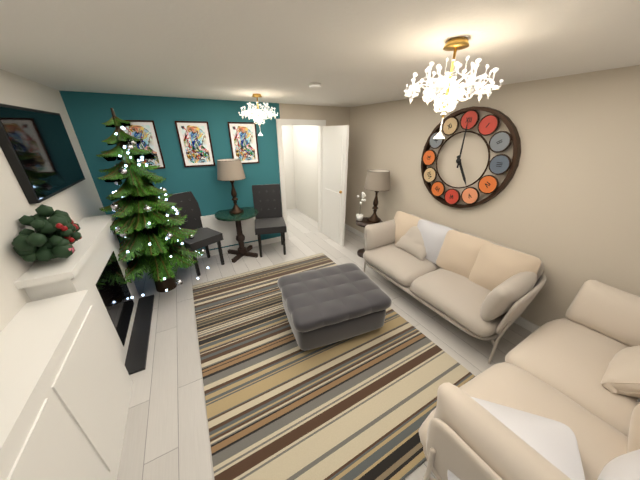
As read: 5.00
